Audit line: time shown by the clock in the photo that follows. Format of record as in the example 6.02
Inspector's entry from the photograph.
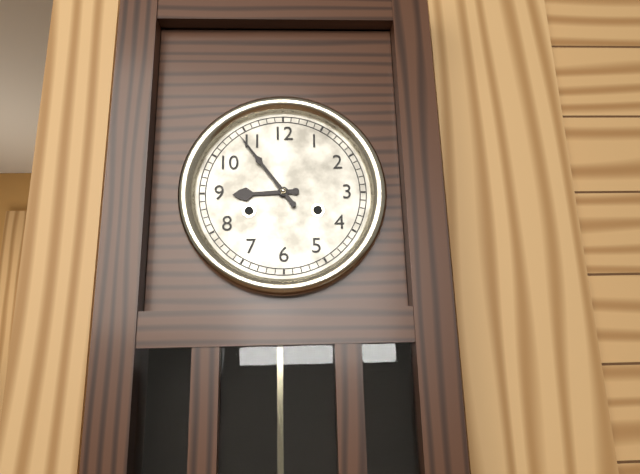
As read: 8.54
